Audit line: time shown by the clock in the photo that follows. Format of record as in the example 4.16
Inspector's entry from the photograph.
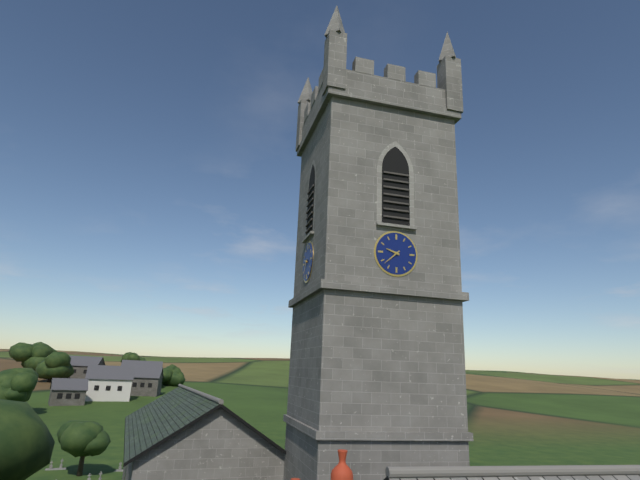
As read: 9.38
